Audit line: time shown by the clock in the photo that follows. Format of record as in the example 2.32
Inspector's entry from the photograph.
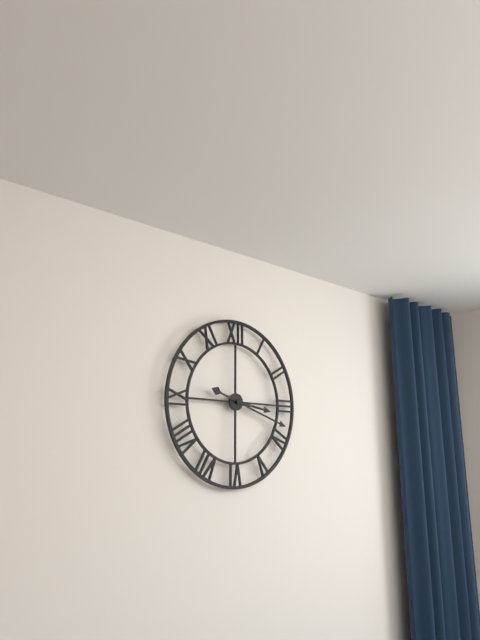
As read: 3.18
